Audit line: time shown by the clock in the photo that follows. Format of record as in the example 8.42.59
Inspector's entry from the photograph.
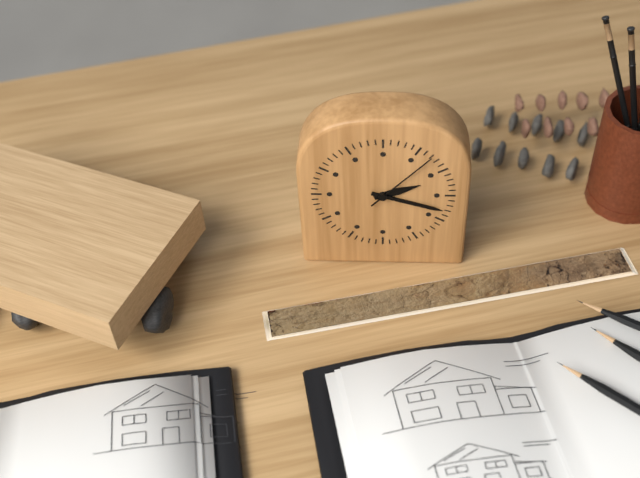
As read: 2.18.07
